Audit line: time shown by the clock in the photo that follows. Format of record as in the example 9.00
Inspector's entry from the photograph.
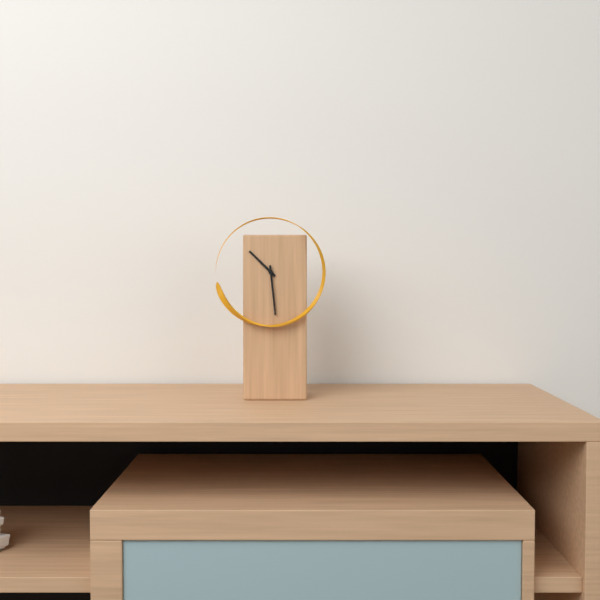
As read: 10.29
